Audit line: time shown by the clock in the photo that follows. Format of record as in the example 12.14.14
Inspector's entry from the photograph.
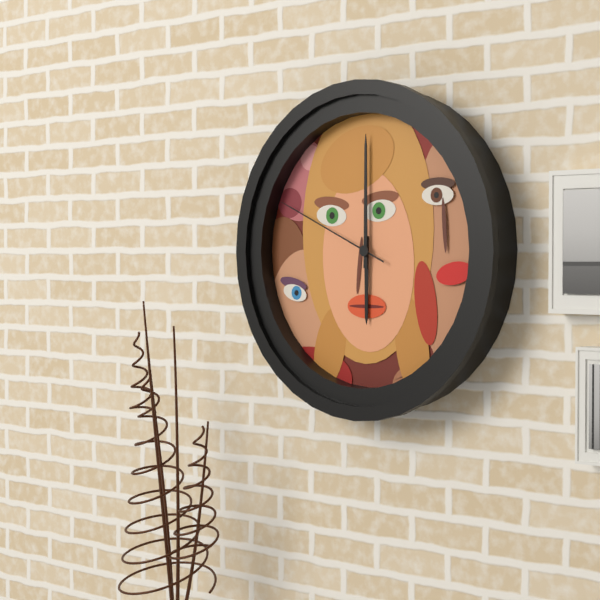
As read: 6.00.49
